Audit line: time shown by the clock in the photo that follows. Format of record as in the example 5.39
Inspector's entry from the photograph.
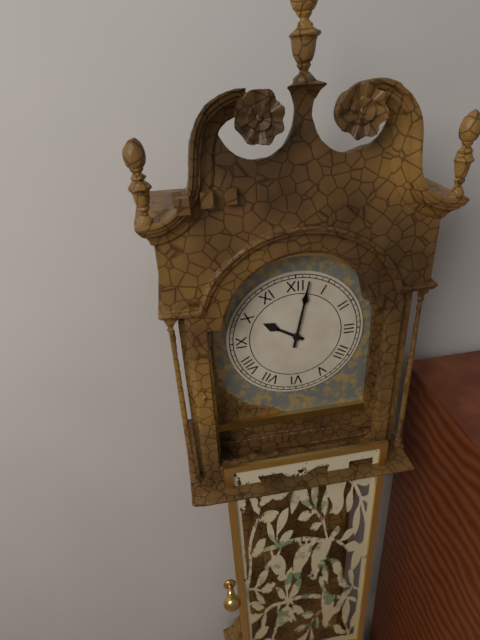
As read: 10.02
